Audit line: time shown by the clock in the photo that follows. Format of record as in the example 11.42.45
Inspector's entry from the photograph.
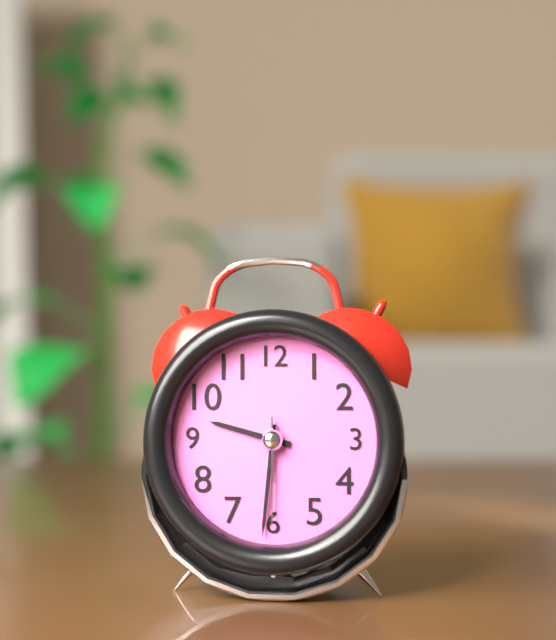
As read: 9.31.30
